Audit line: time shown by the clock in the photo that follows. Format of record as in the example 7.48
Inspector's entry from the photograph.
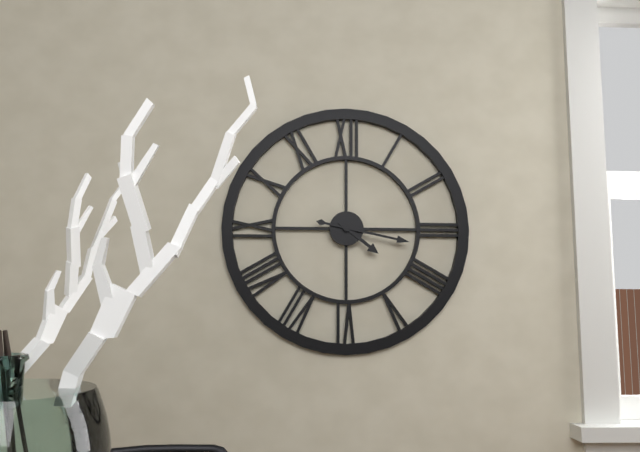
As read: 4.17
